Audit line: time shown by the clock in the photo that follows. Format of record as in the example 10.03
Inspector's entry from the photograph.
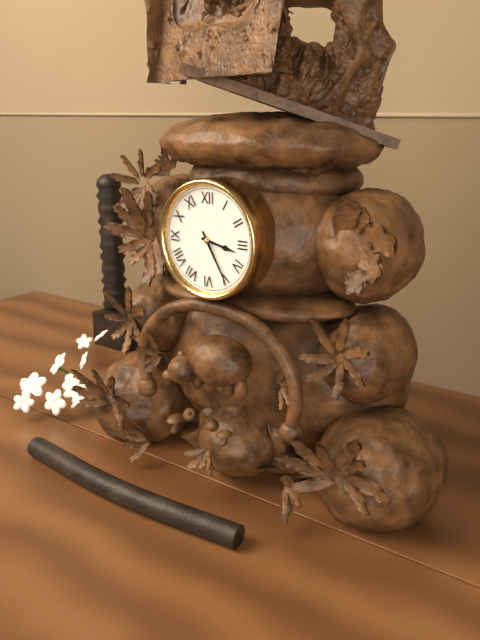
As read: 3.25
